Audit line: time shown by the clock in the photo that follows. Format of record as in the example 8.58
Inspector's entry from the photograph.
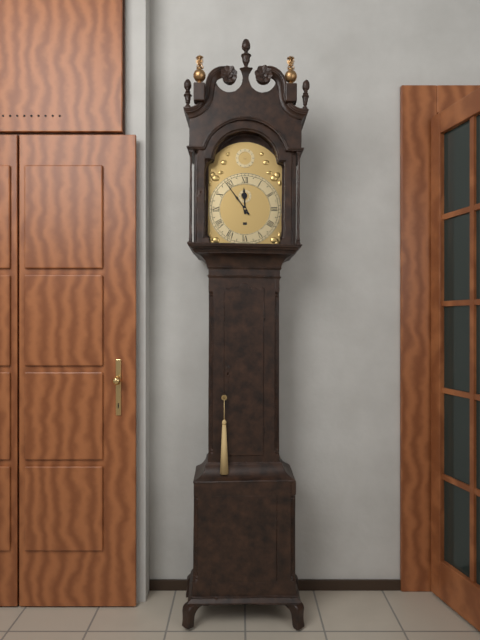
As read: 11.54
